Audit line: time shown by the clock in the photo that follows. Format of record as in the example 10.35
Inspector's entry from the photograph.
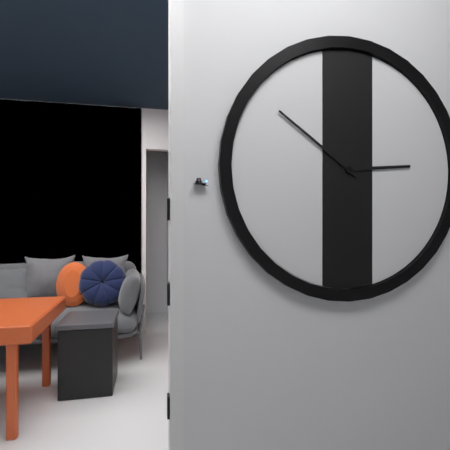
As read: 2.51
